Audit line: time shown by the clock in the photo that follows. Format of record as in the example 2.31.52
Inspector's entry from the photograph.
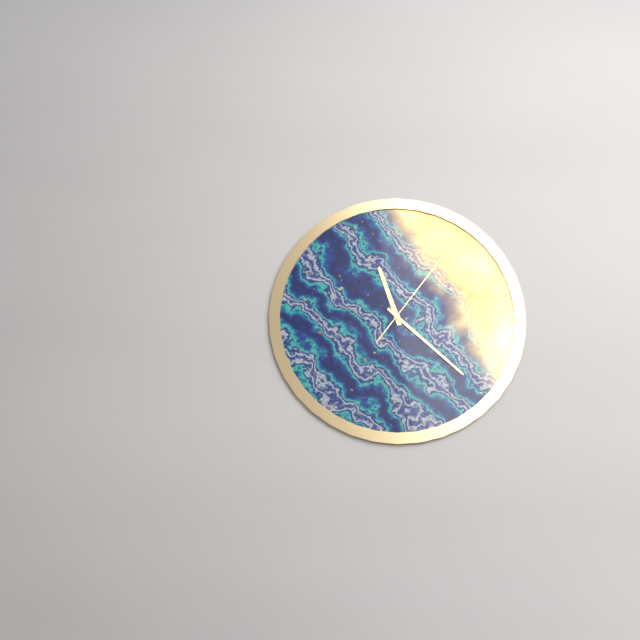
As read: 11.22.06
